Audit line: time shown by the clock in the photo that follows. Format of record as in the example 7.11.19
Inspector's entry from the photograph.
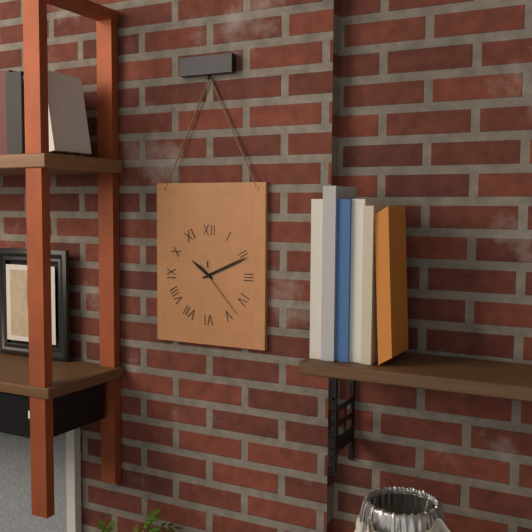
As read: 10.11.23
